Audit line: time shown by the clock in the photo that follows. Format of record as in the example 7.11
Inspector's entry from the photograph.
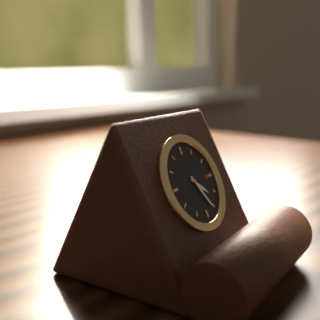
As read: 4.26
